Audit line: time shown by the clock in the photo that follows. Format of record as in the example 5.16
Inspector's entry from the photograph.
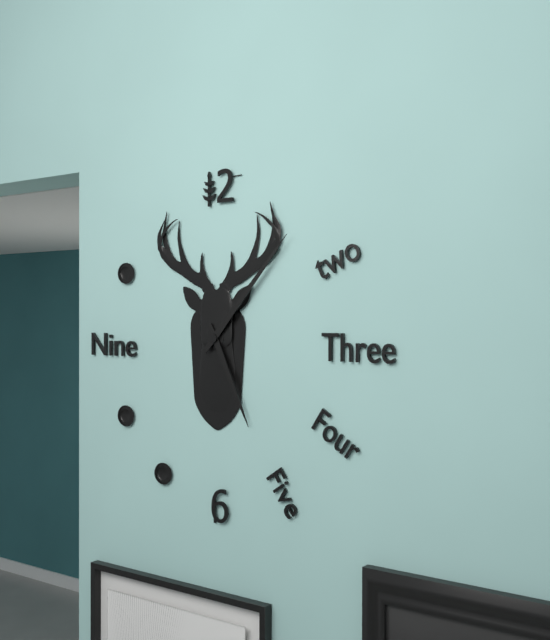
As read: 5.07
